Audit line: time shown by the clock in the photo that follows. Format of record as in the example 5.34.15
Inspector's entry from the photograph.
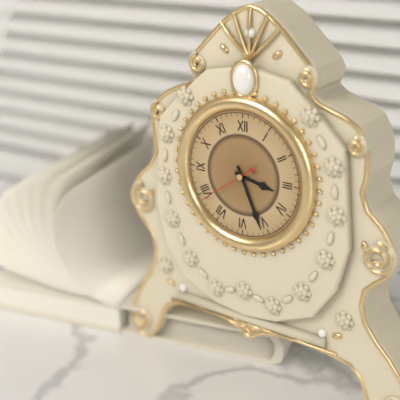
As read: 3.26.39
